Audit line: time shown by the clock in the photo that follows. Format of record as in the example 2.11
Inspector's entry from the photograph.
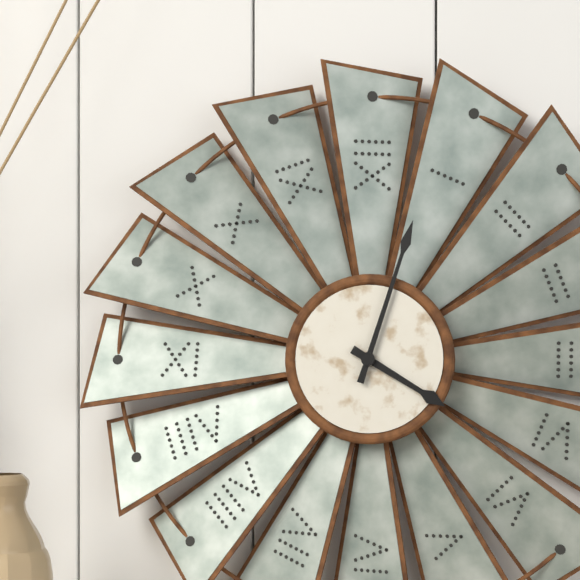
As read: 4.03
